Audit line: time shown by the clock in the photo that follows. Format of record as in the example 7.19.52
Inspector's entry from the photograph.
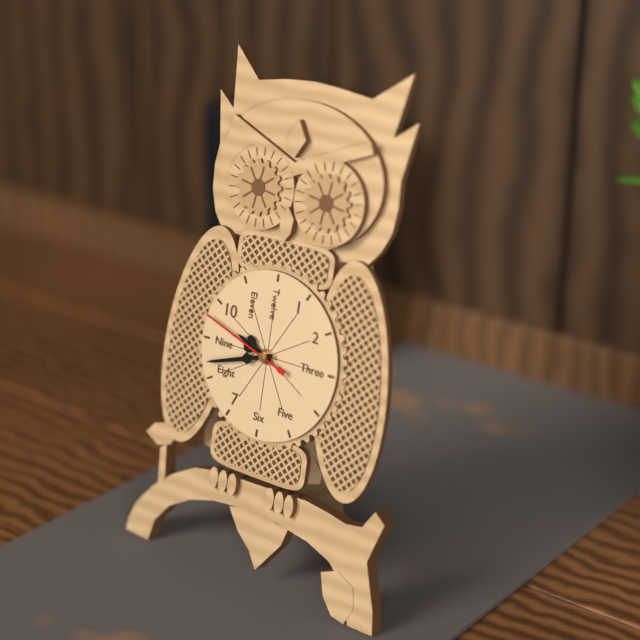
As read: 9.42.48
